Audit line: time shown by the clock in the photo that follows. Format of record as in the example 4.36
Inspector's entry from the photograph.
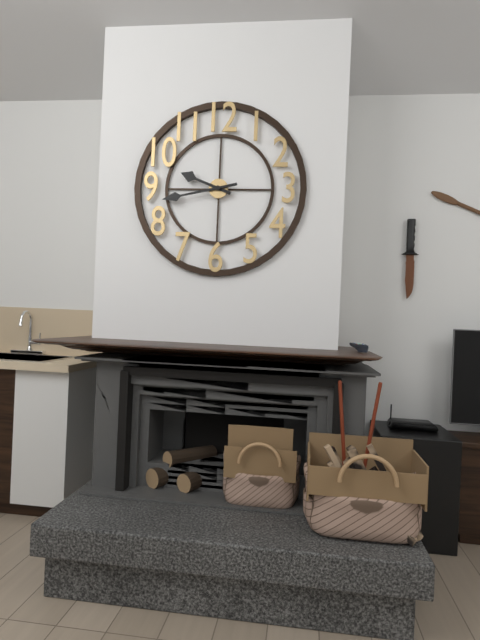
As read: 9.43
